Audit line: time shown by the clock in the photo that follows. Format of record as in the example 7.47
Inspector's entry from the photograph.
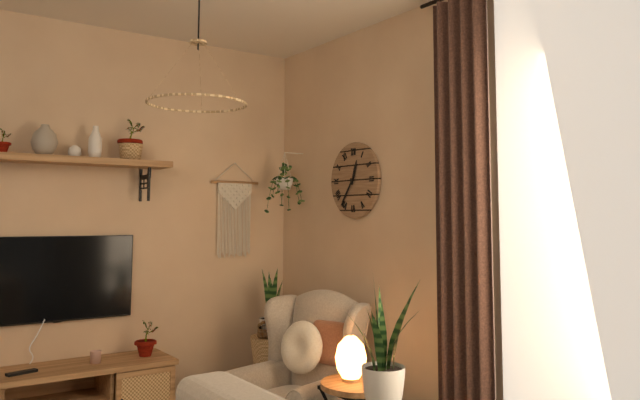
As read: 12.36
